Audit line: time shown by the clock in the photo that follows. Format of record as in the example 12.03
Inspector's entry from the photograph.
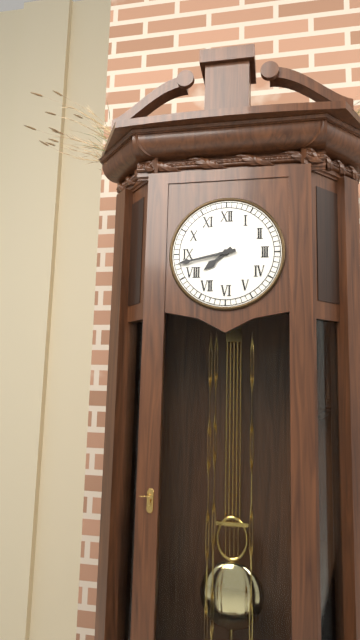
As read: 7.43
